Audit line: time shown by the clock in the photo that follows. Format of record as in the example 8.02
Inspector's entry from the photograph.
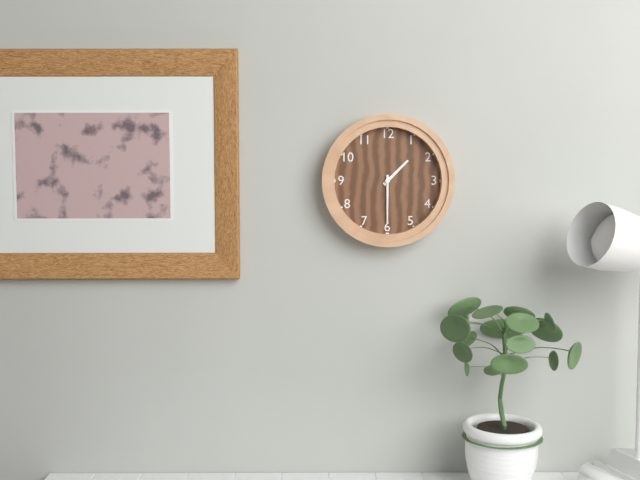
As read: 1.30
